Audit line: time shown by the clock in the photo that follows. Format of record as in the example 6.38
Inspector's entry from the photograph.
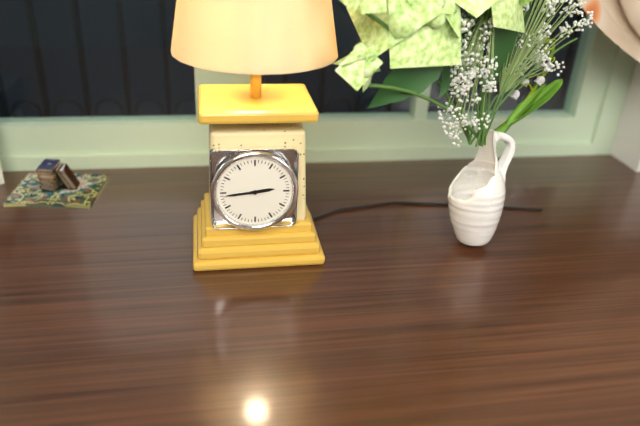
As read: 2.44
